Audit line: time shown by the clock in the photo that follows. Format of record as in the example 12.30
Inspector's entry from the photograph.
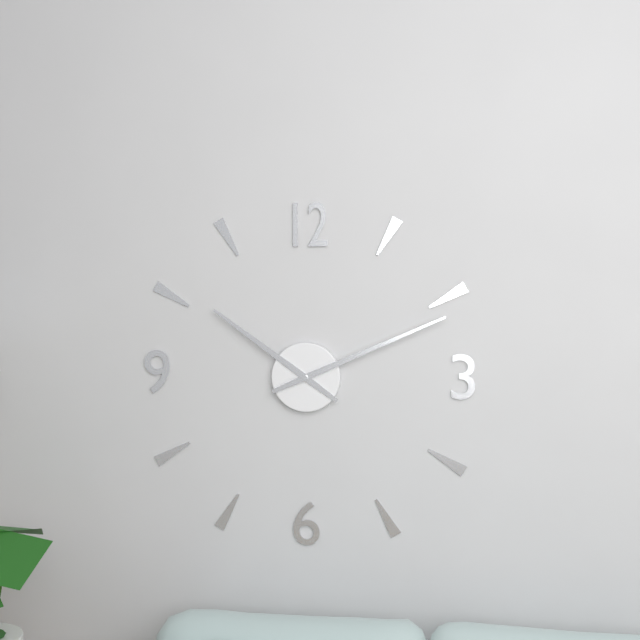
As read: 10.11
